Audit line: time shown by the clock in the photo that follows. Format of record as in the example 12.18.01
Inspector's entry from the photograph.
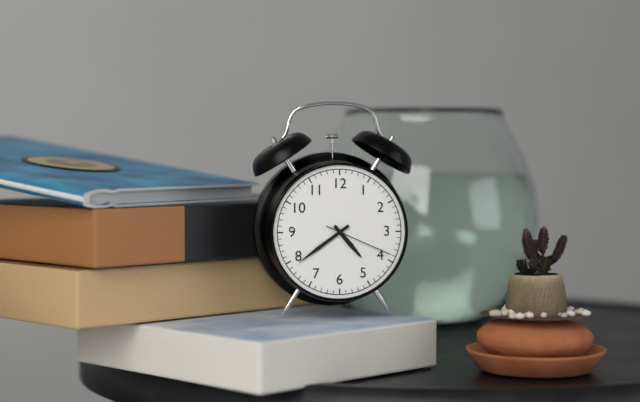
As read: 4.39.19
